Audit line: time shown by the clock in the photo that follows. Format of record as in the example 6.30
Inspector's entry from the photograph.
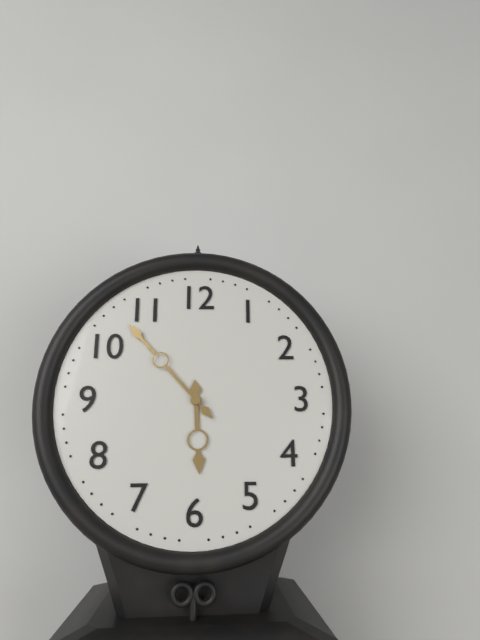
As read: 5.53
